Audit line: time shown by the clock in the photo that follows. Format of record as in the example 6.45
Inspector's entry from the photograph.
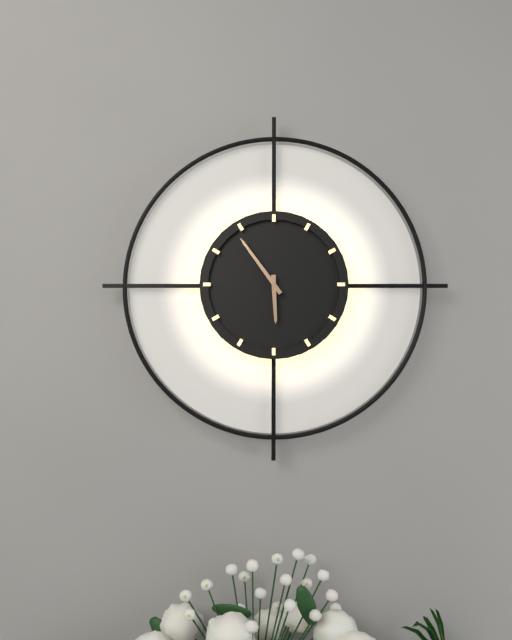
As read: 5.54
